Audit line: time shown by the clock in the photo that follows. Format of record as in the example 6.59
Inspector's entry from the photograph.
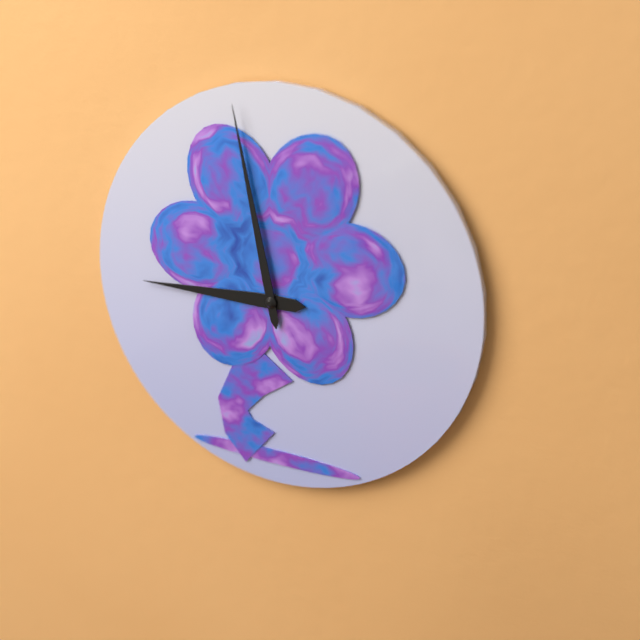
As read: 8.58
